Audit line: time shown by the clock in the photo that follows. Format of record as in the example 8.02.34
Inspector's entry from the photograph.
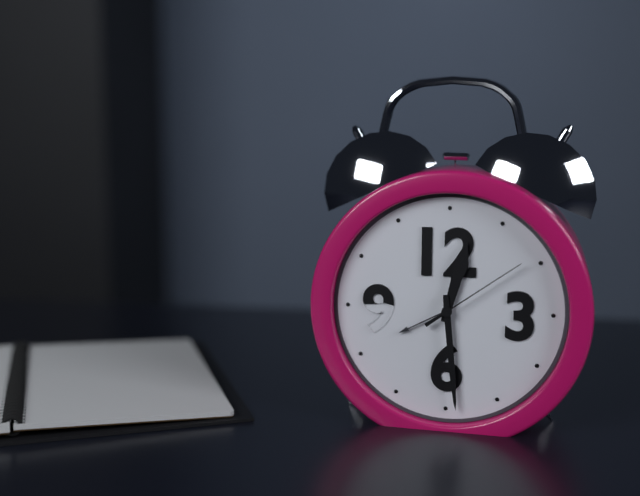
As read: 12.29.09
